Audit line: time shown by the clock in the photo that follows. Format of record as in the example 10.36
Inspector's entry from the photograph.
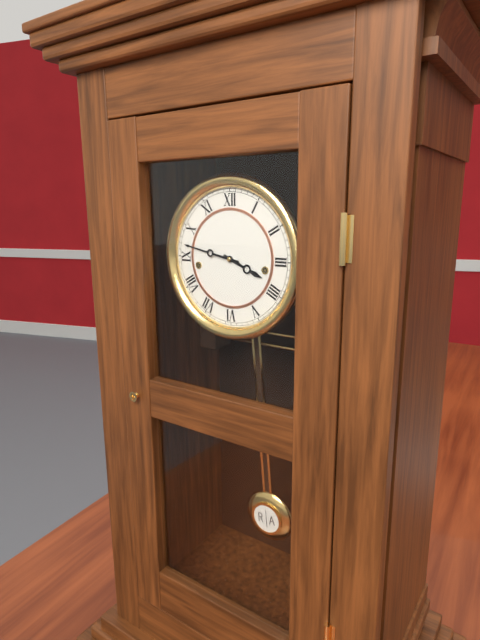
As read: 3.47
